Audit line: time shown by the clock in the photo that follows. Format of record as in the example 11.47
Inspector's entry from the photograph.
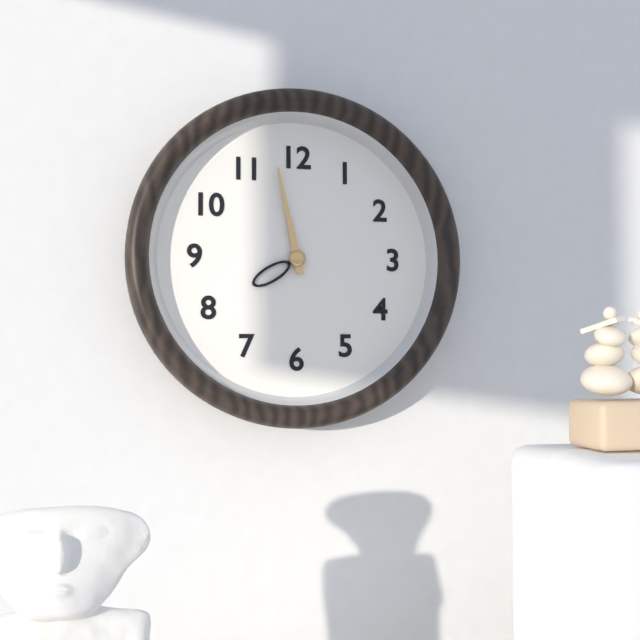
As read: 7.58
